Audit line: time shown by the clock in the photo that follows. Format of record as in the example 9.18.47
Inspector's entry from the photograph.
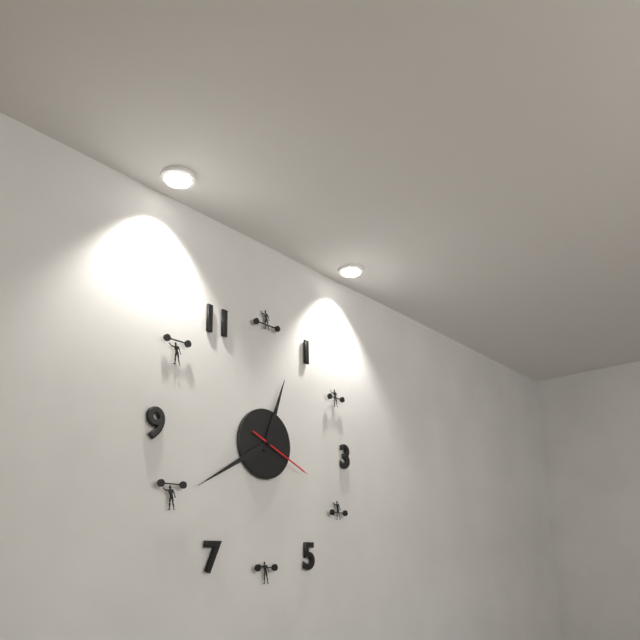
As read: 12.40.19
